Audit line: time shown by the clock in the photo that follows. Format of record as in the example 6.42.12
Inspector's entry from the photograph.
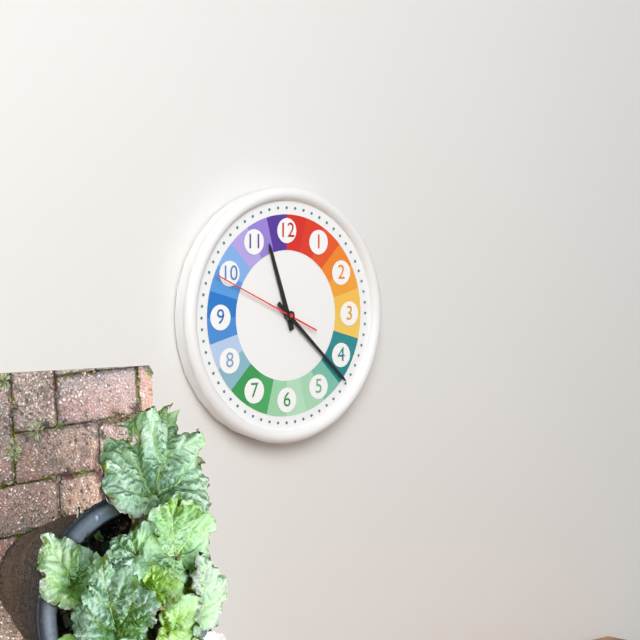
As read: 11.22.49
